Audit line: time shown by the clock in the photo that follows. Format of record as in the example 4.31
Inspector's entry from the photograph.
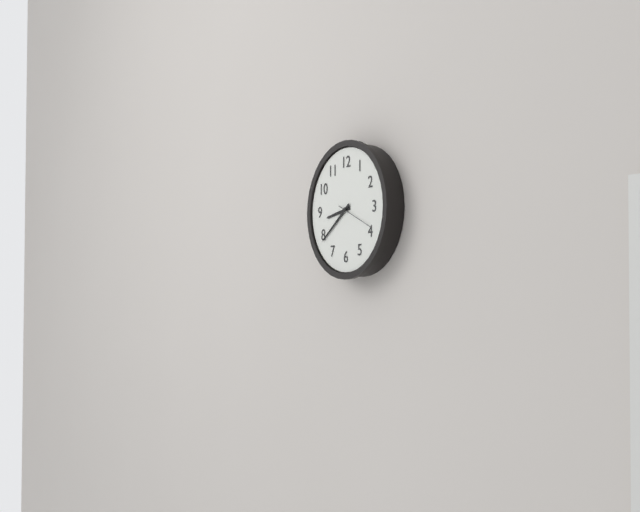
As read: 8.39
